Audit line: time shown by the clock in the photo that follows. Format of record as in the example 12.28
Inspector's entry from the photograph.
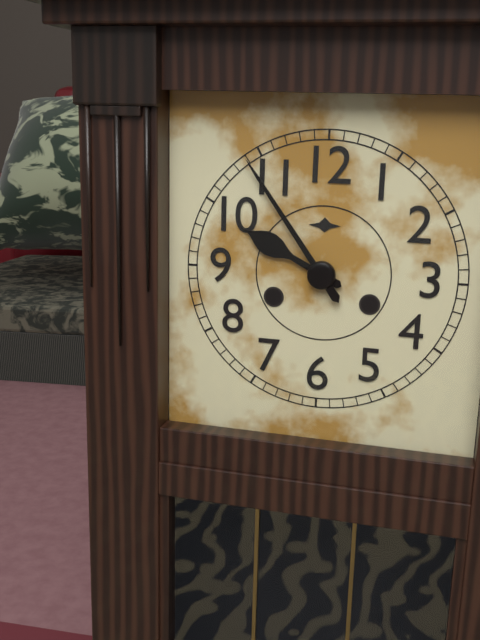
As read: 9.54
